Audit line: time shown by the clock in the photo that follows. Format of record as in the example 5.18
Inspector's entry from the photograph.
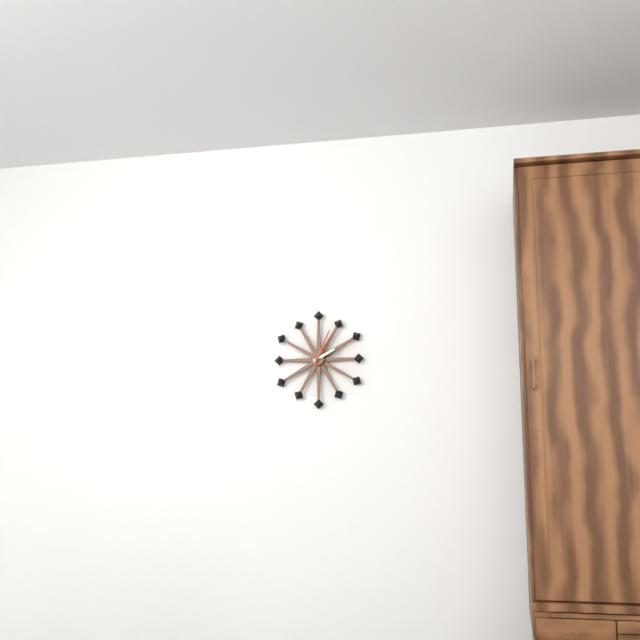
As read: 2.04
